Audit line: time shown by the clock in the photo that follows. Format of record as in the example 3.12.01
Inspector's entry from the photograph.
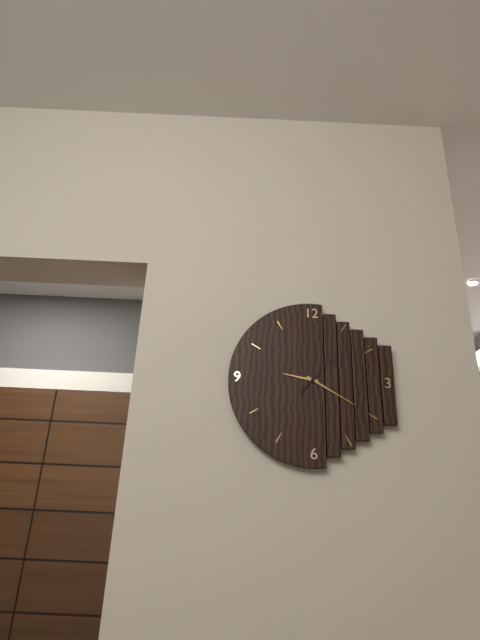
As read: 9.20.07
